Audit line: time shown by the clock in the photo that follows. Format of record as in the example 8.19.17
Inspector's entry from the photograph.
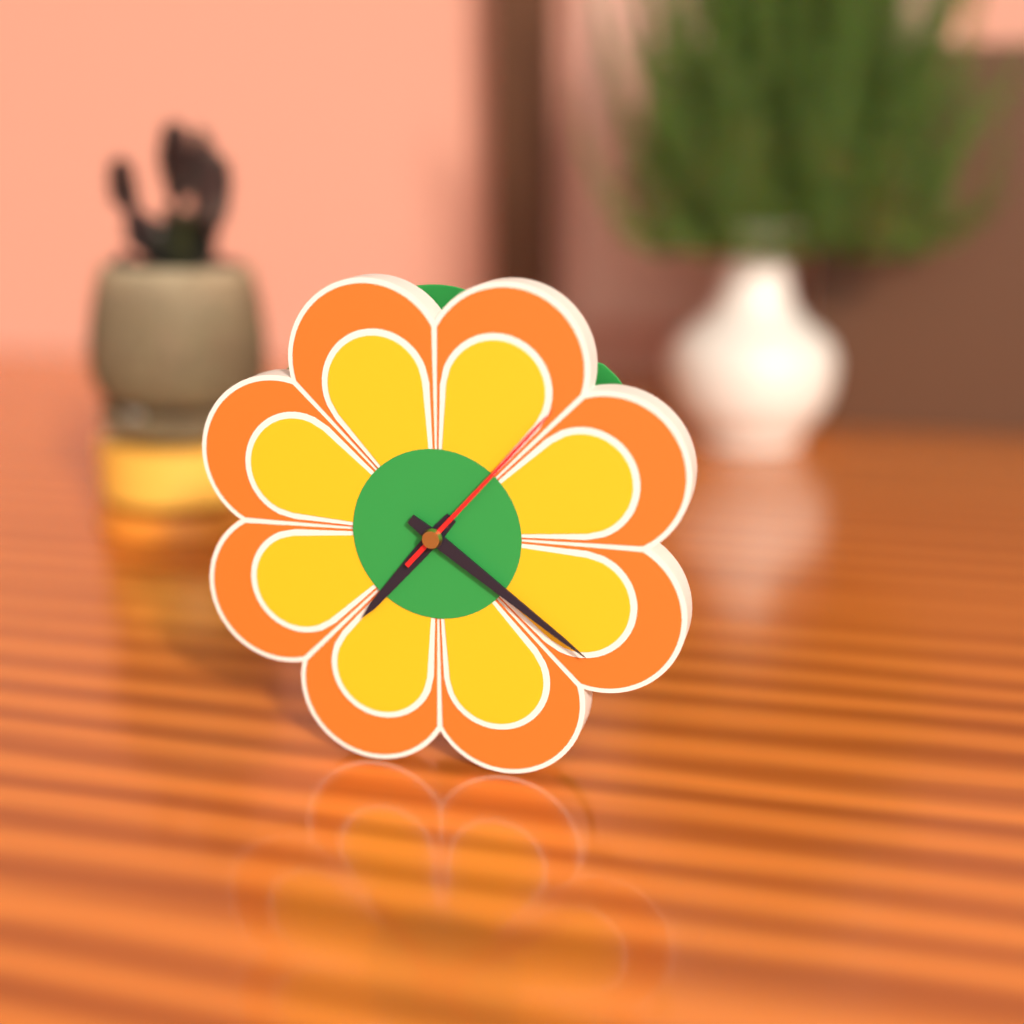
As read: 7.21.07
